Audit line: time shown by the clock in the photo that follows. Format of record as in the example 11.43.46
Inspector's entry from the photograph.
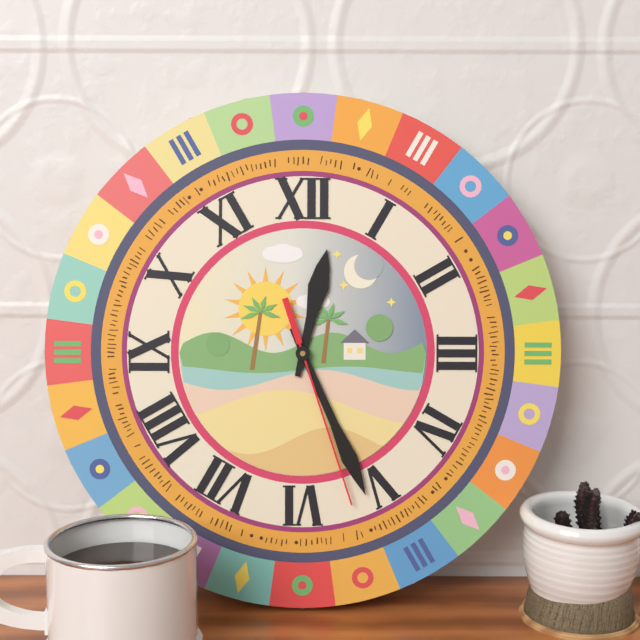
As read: 12.26.27
